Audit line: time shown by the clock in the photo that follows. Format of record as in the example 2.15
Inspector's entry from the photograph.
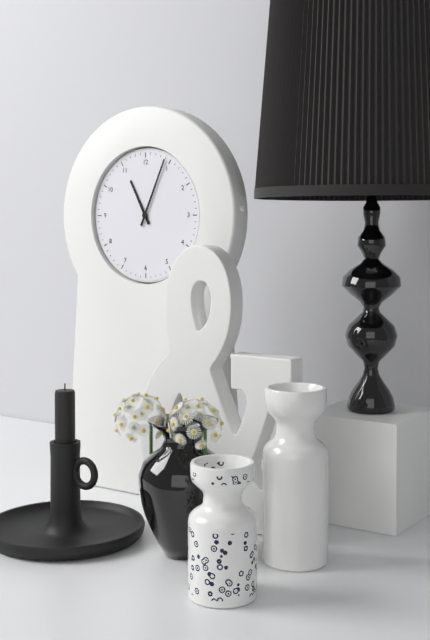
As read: 11.04
